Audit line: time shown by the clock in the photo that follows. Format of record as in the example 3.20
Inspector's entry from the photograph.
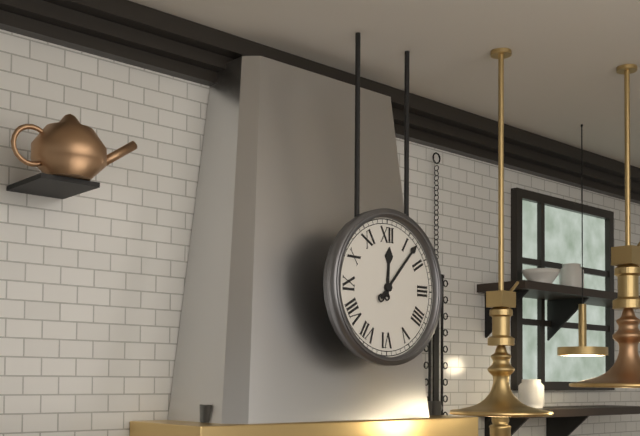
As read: 12.07
